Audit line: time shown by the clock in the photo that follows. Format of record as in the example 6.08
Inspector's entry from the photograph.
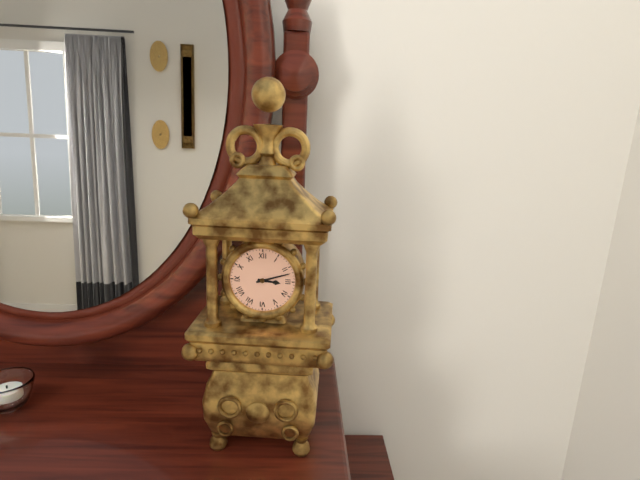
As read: 3.12
